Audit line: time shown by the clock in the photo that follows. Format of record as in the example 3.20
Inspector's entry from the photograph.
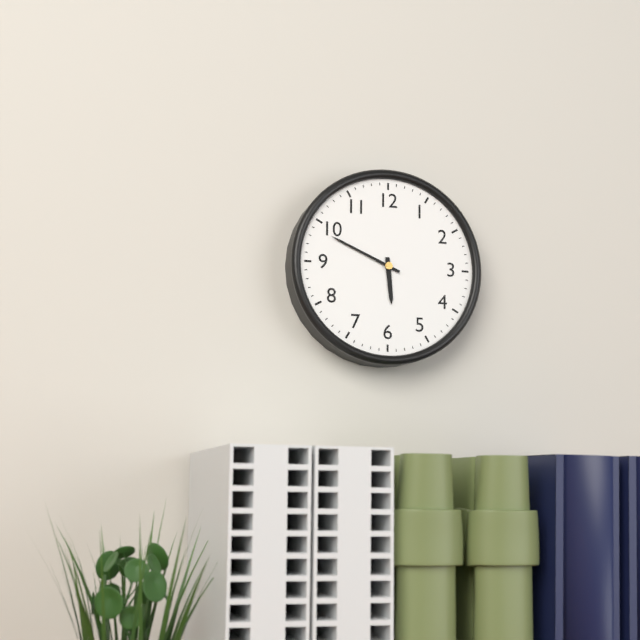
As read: 5.49
